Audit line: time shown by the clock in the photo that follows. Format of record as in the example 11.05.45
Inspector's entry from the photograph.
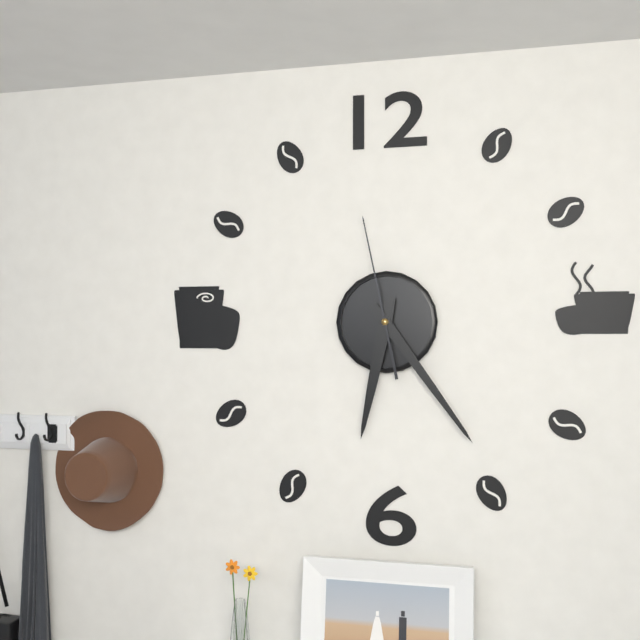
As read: 6.24.58
